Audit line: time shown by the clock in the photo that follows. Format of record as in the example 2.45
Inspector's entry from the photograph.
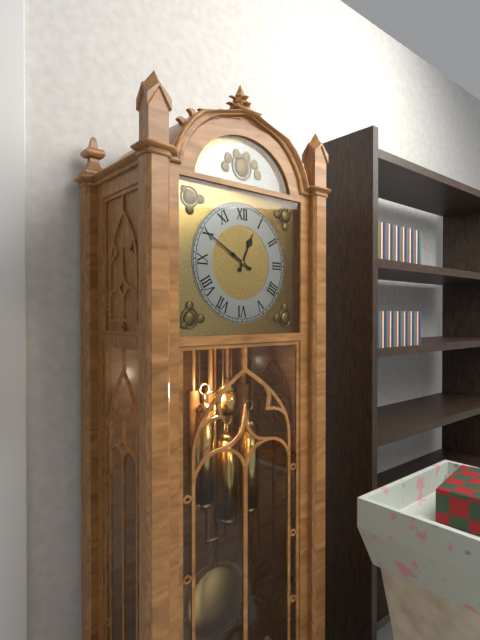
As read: 12.50
